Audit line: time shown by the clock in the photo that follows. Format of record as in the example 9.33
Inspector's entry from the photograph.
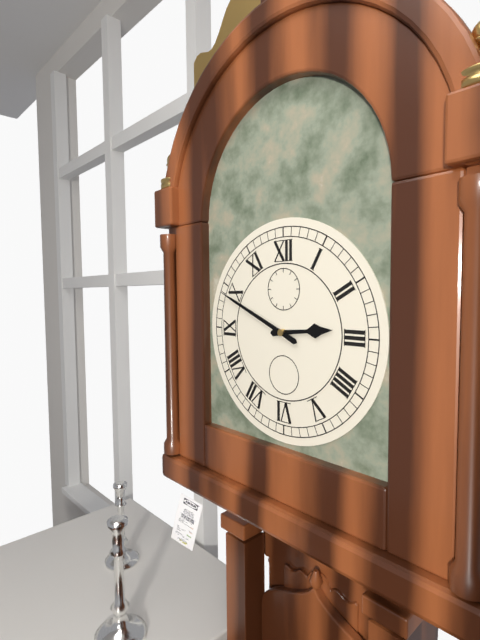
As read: 2.49
